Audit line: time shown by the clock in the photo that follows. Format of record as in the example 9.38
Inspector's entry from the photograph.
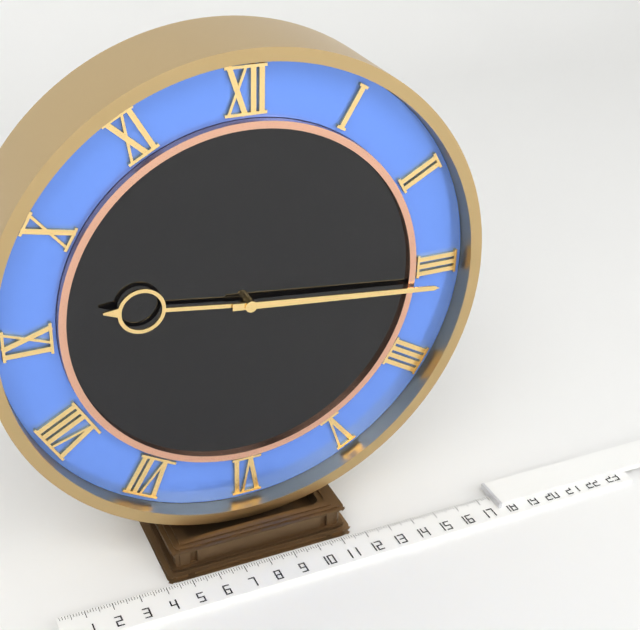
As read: 9.16
